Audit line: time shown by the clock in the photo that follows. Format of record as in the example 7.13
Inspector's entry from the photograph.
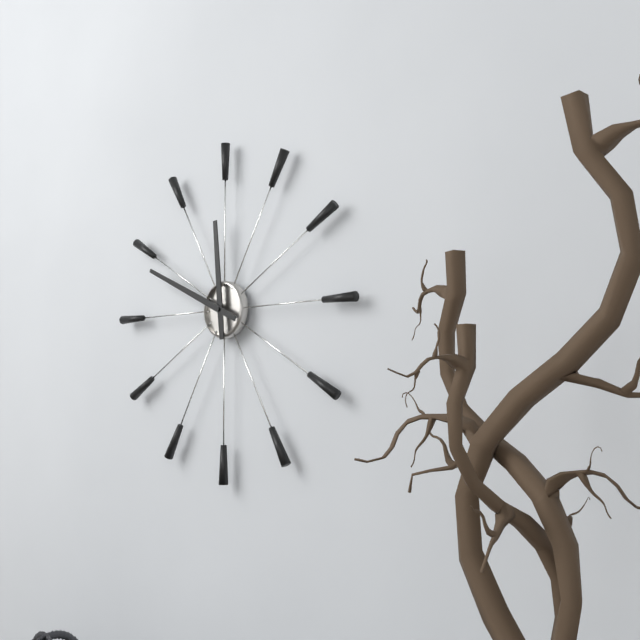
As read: 11.49
